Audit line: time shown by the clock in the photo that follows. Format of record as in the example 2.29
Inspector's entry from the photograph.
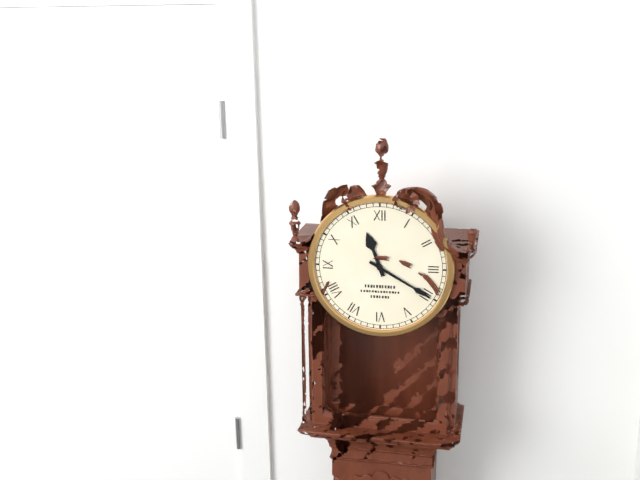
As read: 11.20
